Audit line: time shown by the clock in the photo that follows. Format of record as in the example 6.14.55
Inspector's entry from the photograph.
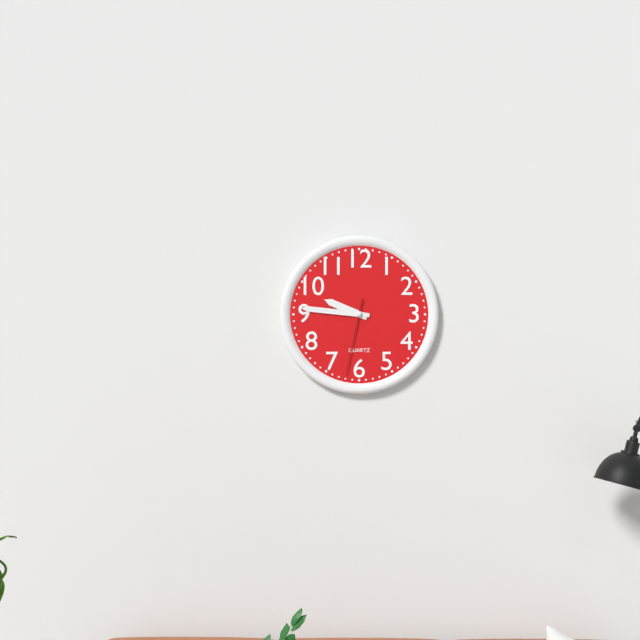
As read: 9.46.32
